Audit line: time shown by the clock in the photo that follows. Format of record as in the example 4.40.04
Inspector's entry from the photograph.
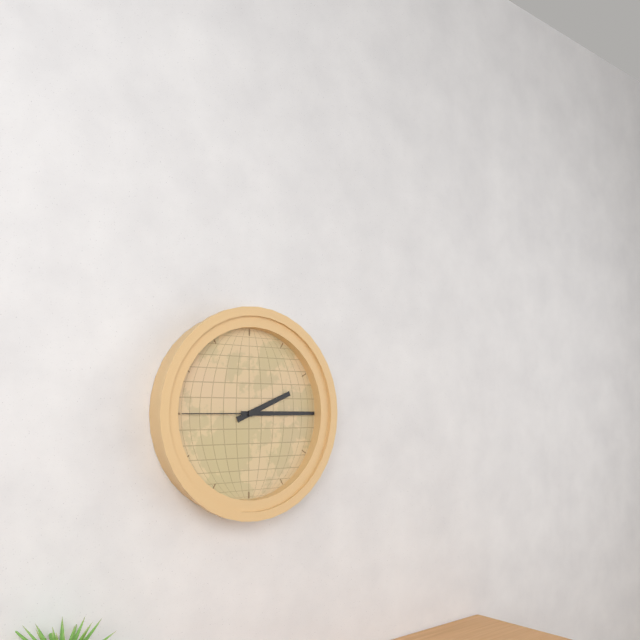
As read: 2.15.45
